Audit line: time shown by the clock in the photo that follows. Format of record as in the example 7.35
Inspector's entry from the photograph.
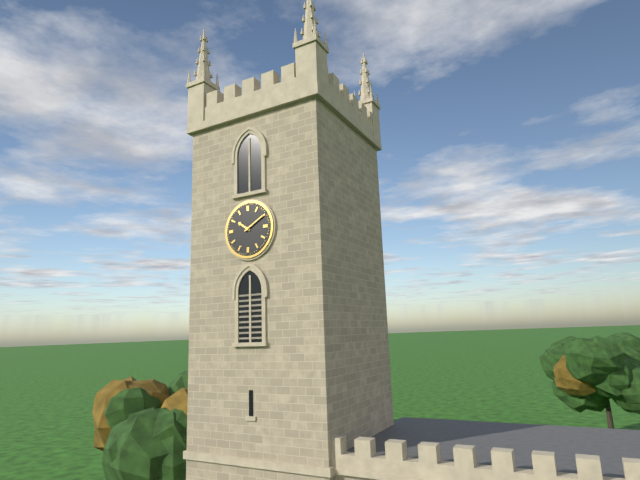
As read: 10.10
